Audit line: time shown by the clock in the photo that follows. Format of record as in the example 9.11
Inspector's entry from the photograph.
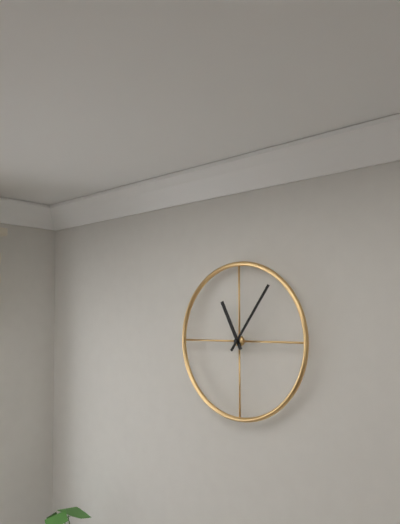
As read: 11.06
